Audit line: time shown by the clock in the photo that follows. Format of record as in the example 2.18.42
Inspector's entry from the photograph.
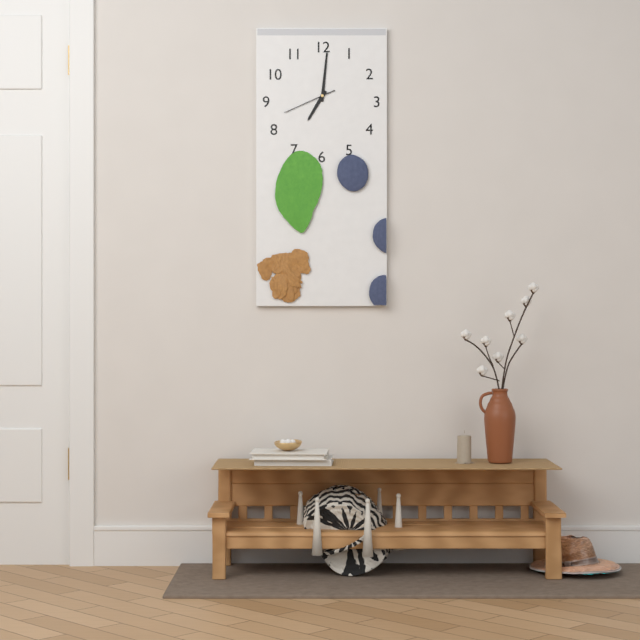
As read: 7.01.41
